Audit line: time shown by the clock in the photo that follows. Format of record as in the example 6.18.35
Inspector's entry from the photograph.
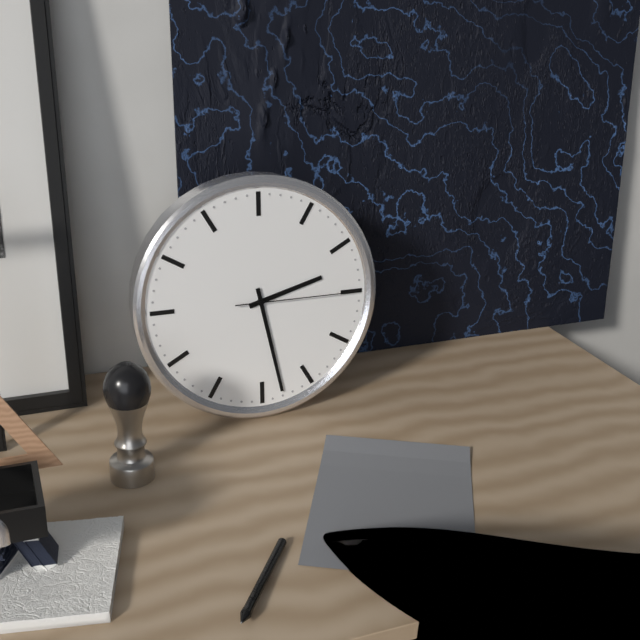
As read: 2.28.15
